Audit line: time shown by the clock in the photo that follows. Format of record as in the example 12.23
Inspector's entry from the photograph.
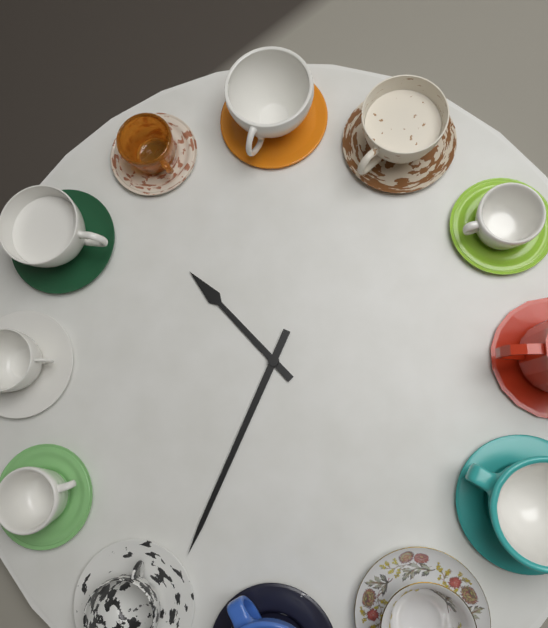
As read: 10.34
